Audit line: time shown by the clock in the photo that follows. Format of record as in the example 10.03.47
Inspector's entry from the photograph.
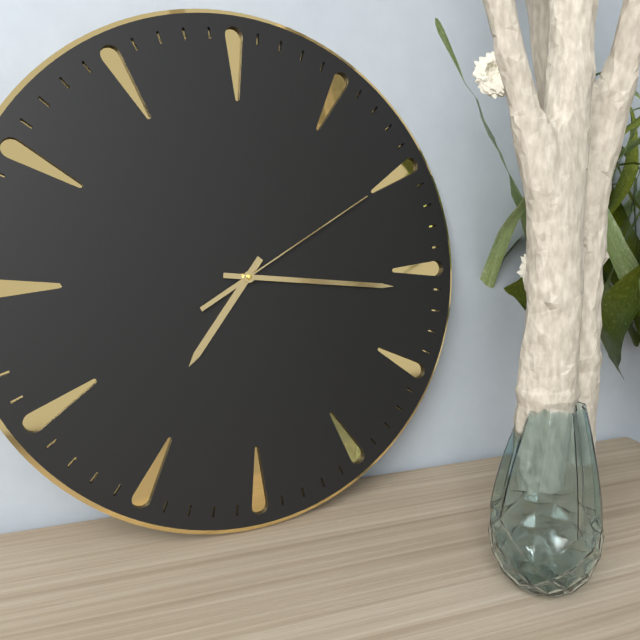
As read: 7.16.10
